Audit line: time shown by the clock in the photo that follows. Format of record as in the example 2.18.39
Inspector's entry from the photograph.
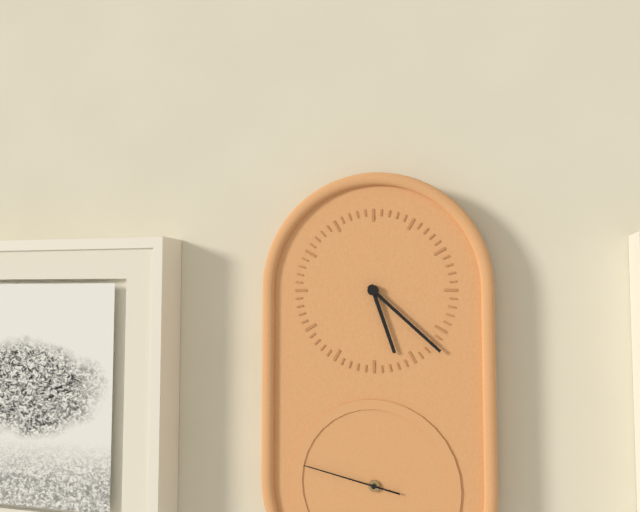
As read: 5.22.47
